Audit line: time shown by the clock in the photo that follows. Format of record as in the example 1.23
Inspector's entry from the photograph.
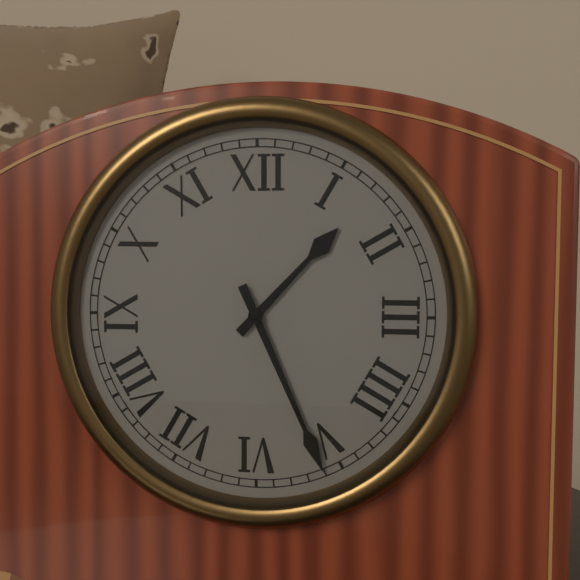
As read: 1.26
